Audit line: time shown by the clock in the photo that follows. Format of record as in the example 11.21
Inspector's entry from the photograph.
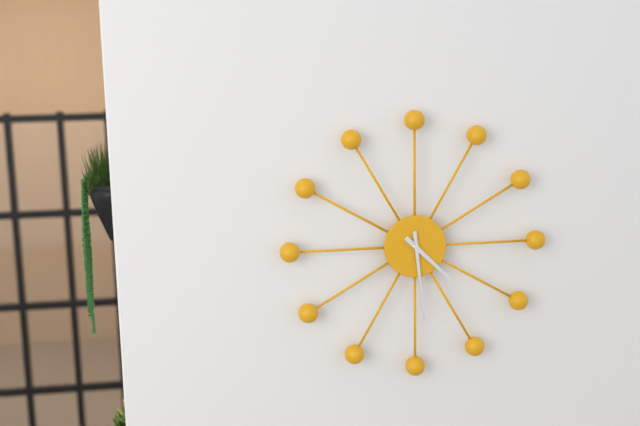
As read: 4.29
